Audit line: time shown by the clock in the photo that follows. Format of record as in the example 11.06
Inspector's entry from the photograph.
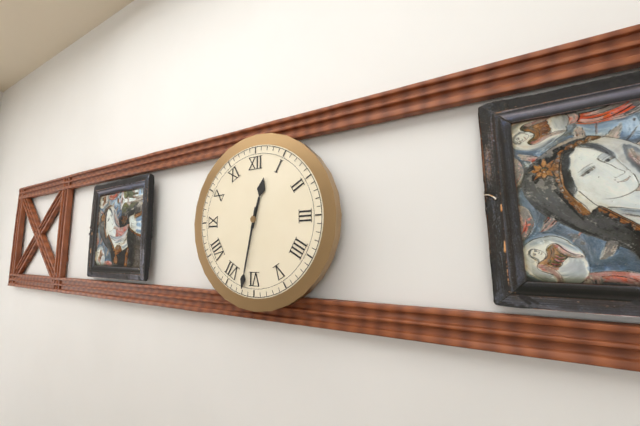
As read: 12.32
